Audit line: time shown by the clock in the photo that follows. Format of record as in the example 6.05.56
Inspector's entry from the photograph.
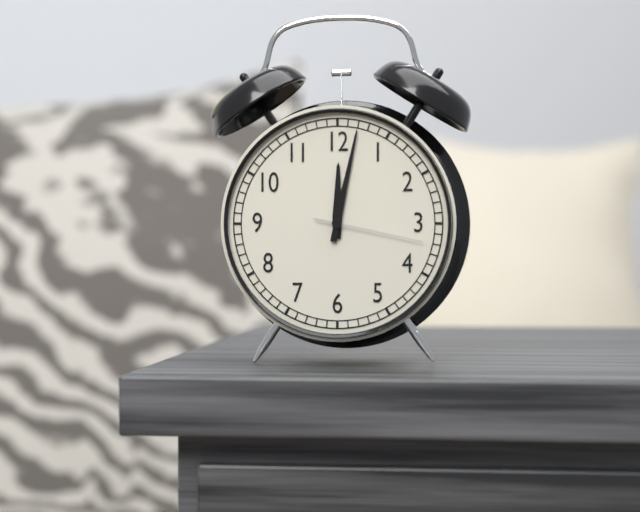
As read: 12.02.17
